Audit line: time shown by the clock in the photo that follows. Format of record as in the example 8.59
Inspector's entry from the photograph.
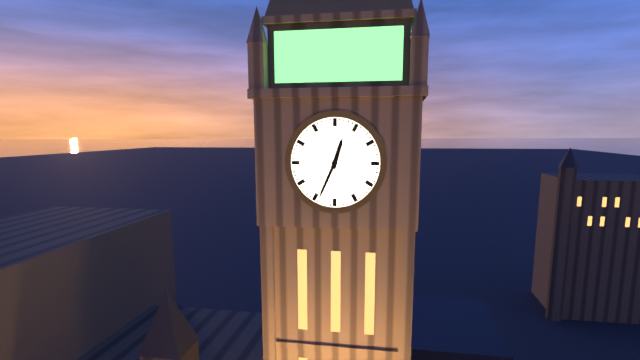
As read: 12.34
